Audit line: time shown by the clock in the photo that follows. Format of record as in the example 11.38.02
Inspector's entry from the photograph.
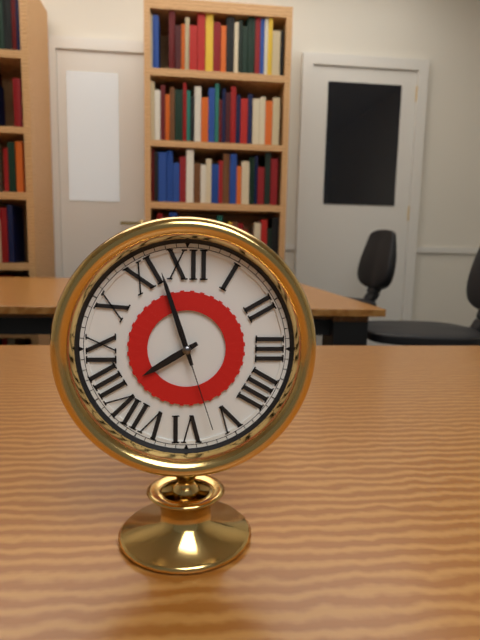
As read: 7.57.27
